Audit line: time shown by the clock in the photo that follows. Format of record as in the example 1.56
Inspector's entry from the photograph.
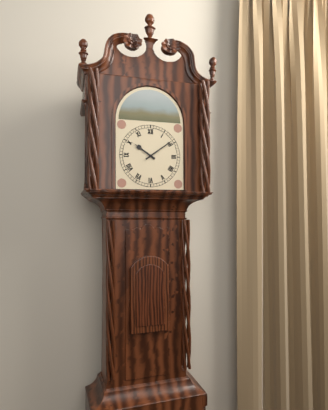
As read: 10.09
